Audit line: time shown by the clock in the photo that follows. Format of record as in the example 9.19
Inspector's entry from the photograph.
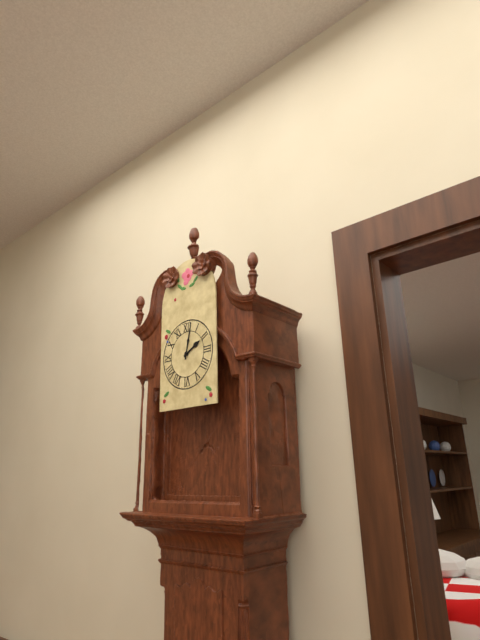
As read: 2.02
